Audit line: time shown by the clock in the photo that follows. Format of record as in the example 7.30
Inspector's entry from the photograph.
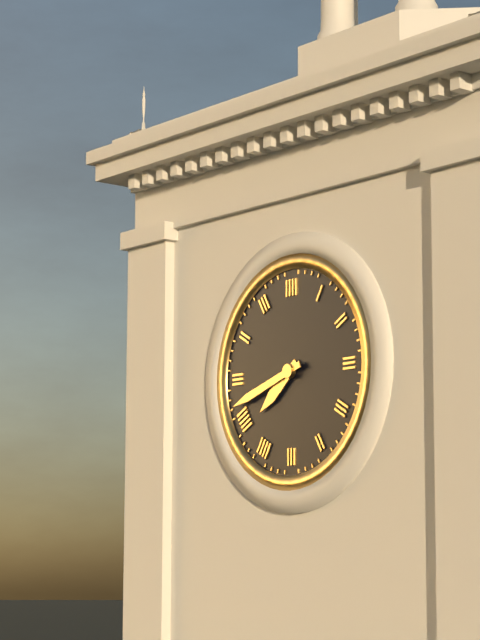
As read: 7.42
